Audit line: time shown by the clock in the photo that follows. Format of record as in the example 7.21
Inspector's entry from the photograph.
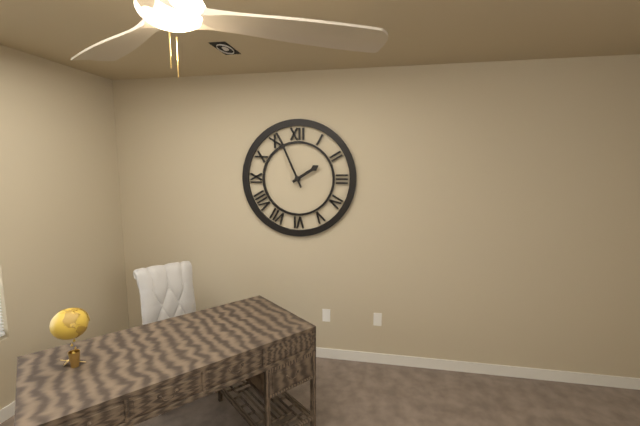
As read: 1.56
